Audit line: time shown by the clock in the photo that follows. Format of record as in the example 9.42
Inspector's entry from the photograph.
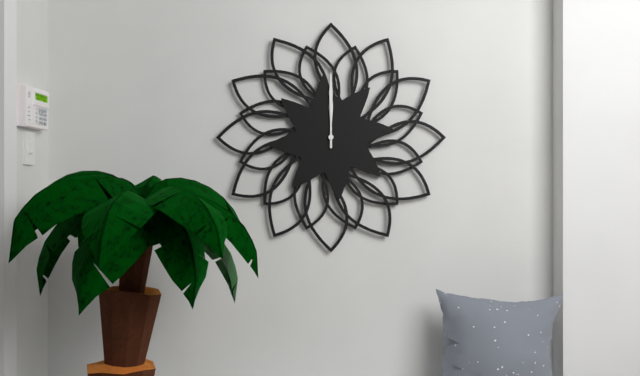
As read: 12.00
